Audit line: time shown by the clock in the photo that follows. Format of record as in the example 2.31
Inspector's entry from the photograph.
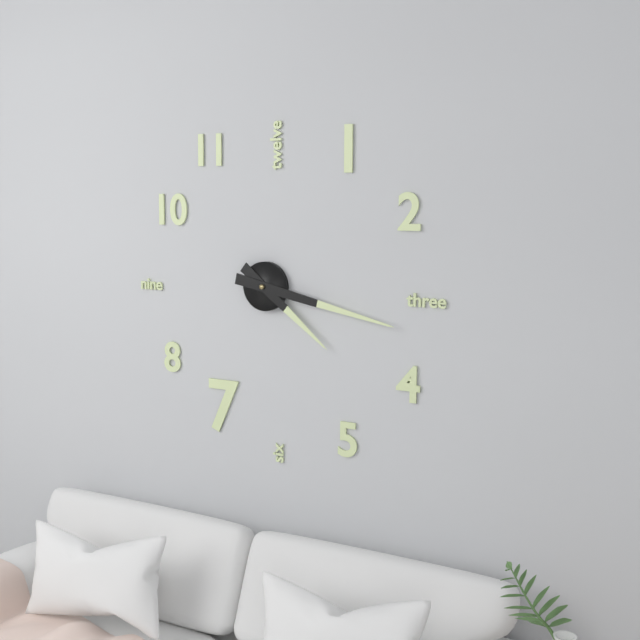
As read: 4.17
